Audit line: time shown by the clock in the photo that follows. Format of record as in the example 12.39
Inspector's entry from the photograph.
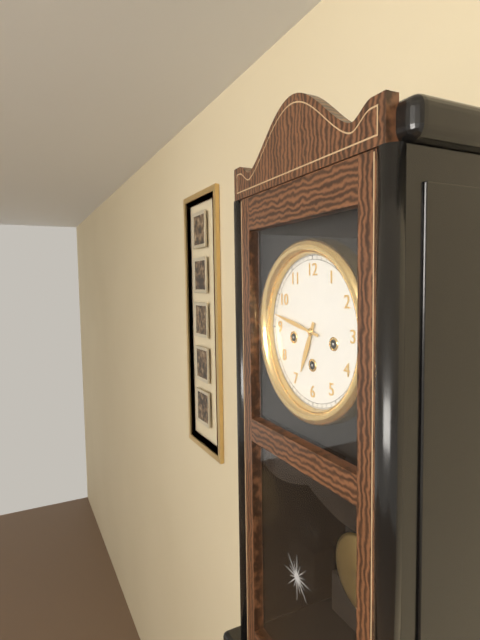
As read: 6.47
